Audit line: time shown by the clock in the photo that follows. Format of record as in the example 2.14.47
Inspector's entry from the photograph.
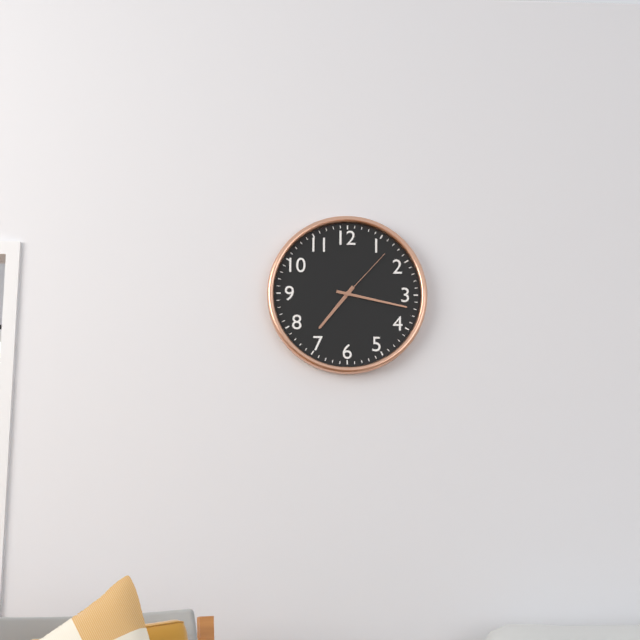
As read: 7.17.07
